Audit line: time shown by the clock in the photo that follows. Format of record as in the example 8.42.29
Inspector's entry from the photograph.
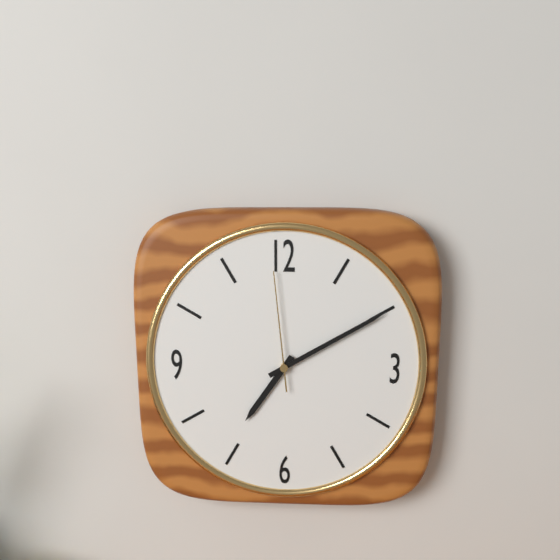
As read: 7.10.59
